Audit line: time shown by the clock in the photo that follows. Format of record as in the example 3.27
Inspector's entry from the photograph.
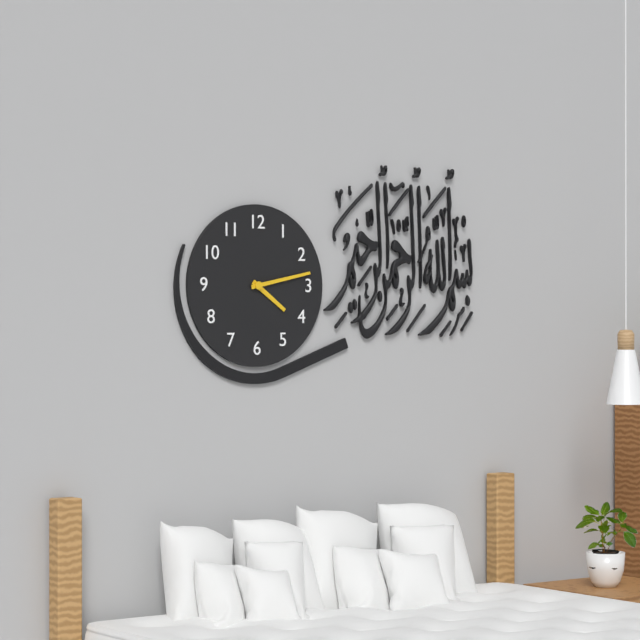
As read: 4.13
